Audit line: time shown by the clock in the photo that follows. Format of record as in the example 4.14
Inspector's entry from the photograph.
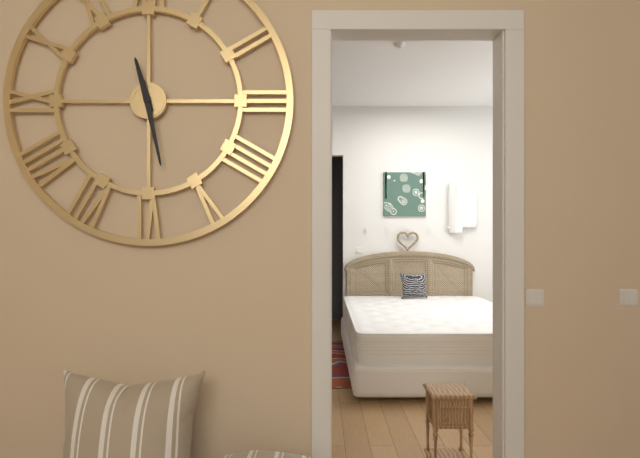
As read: 11.28
